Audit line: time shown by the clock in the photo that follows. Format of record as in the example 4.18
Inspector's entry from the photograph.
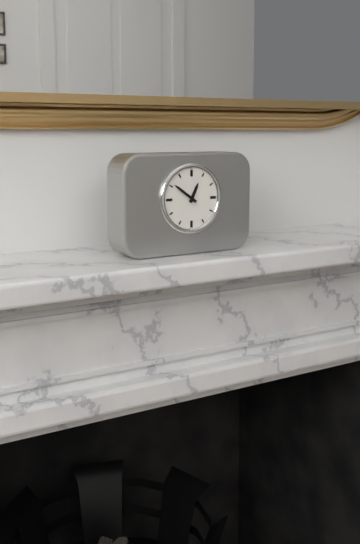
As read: 12.51
